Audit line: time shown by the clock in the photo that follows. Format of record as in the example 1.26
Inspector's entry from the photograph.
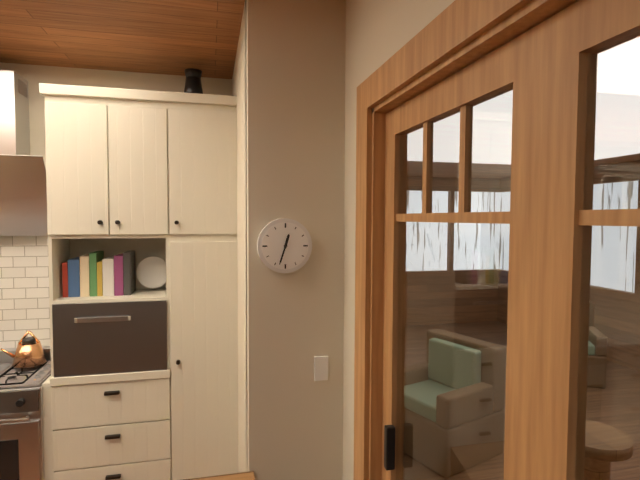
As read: 12.33
